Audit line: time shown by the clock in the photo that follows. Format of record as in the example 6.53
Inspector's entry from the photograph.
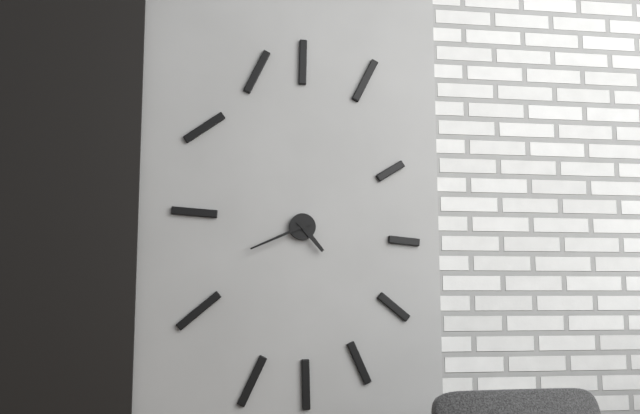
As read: 4.41
